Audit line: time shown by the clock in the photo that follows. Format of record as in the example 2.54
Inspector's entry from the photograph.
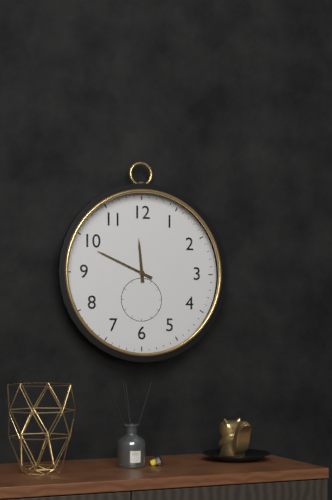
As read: 11.49
